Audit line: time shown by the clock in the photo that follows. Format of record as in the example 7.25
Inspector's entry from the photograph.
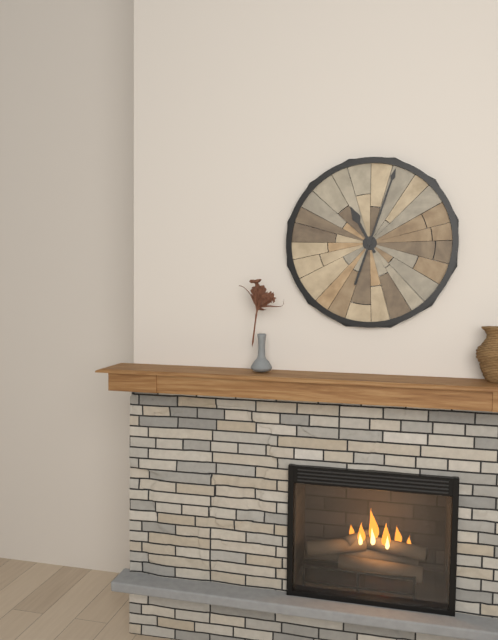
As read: 11.03
